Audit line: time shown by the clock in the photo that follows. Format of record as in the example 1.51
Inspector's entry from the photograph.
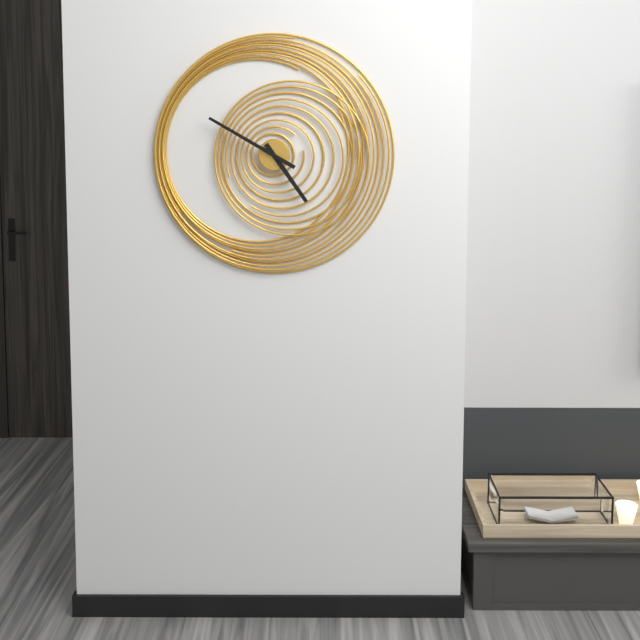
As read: 4.50
